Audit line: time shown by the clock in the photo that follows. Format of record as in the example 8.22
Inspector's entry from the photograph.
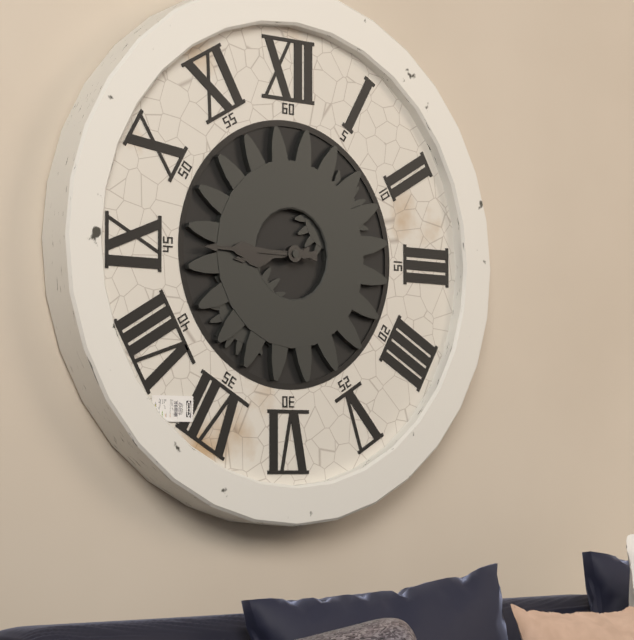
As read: 8.45
